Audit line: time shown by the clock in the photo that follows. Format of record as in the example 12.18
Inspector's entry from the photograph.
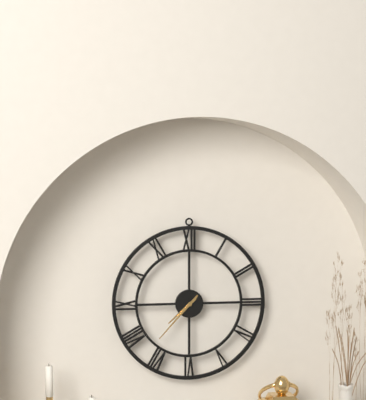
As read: 7.37
